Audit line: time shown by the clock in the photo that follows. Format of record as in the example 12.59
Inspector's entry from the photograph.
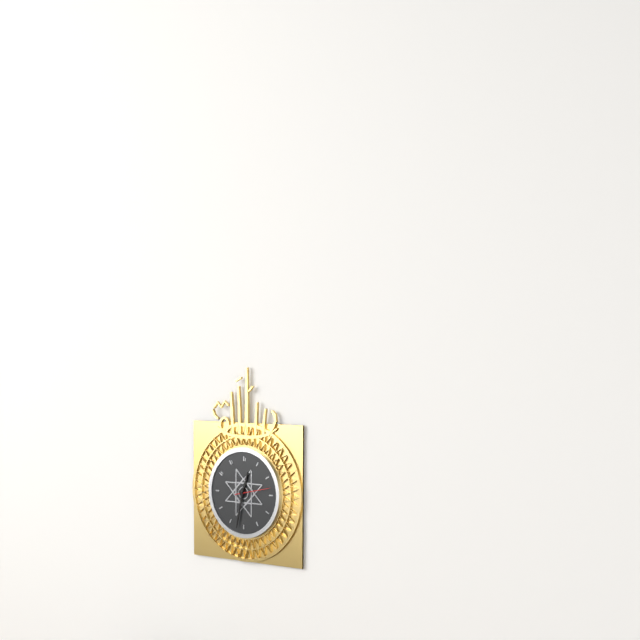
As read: 12.32
